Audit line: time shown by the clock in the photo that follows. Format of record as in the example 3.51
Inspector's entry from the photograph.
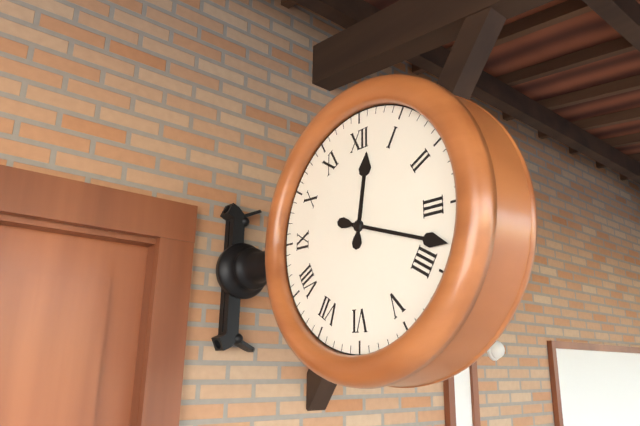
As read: 12.18
